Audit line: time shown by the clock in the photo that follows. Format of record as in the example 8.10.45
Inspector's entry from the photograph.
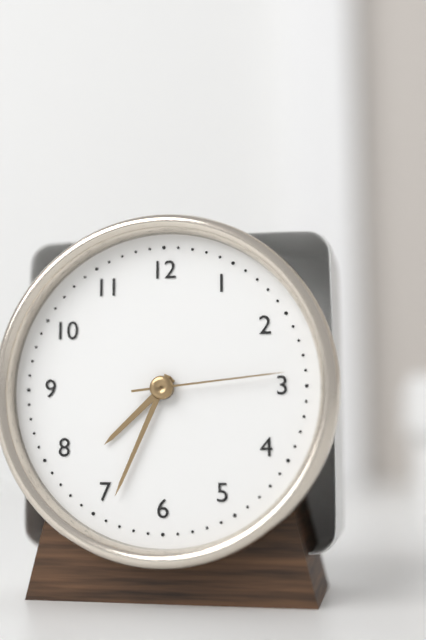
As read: 7.34.14
